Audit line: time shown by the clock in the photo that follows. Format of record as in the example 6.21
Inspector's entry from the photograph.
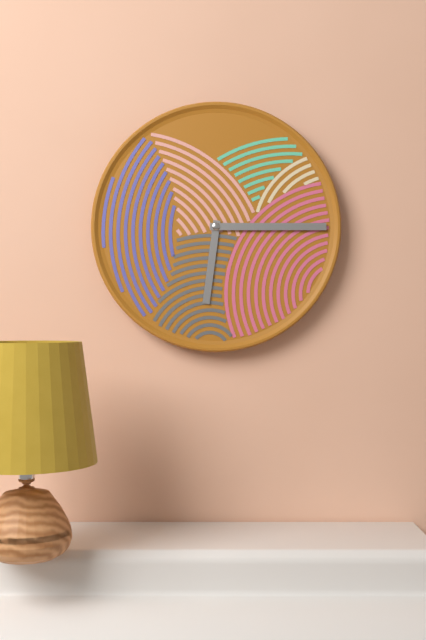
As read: 6.15
